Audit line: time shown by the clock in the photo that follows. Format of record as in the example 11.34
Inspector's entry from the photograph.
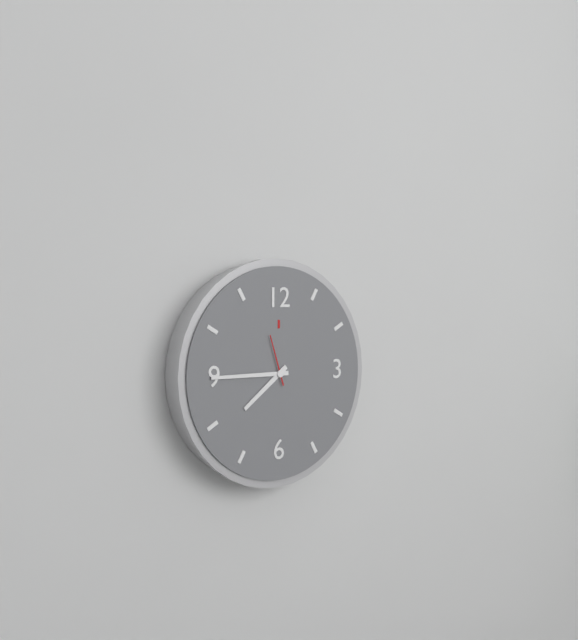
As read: 7.45
